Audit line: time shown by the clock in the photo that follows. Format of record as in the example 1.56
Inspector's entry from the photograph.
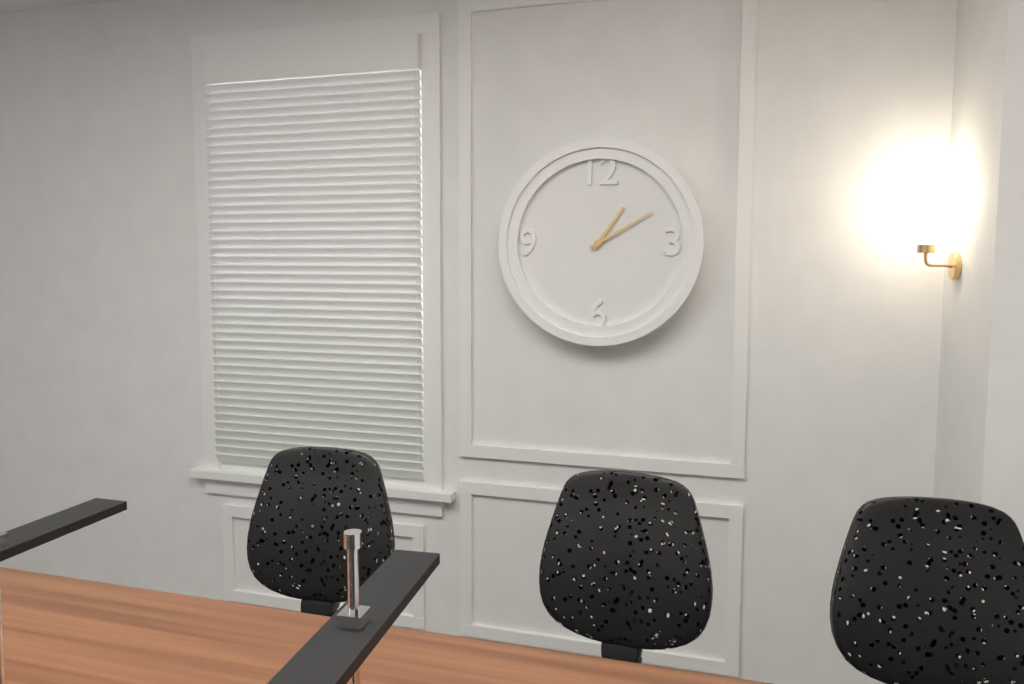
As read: 1.10
